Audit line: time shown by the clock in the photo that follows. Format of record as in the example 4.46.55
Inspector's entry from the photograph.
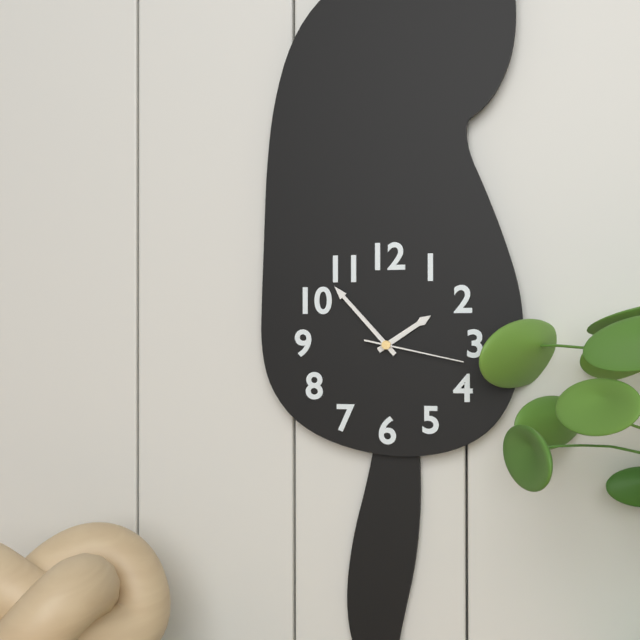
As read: 1.53.17
